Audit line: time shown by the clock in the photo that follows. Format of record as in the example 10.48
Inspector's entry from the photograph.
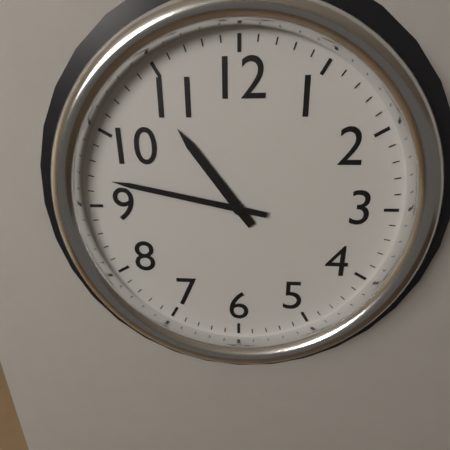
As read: 10.47
